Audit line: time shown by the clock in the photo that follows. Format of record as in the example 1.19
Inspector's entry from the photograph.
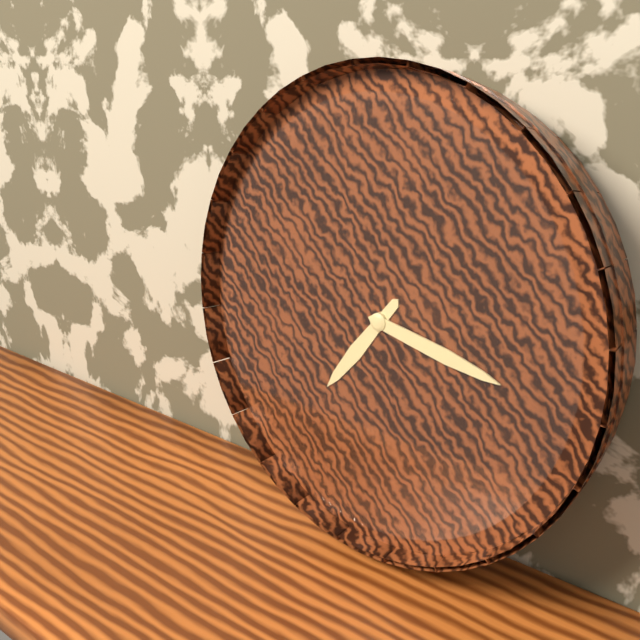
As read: 7.17
